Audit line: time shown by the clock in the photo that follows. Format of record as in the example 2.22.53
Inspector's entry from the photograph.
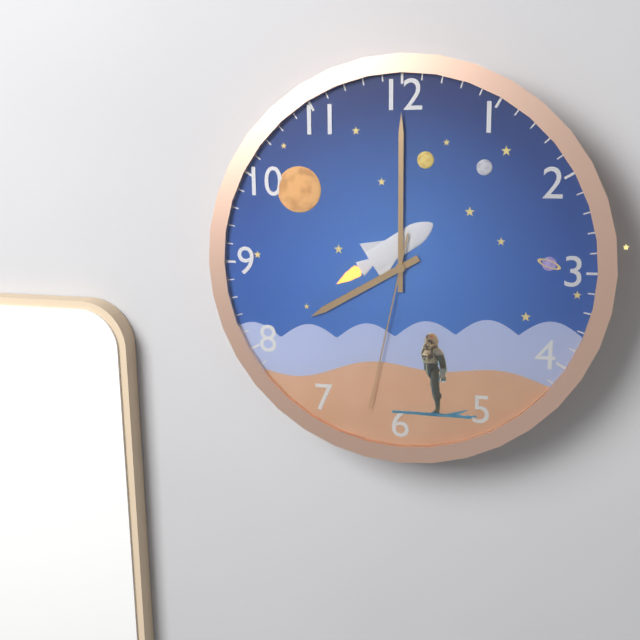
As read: 8.00.32
